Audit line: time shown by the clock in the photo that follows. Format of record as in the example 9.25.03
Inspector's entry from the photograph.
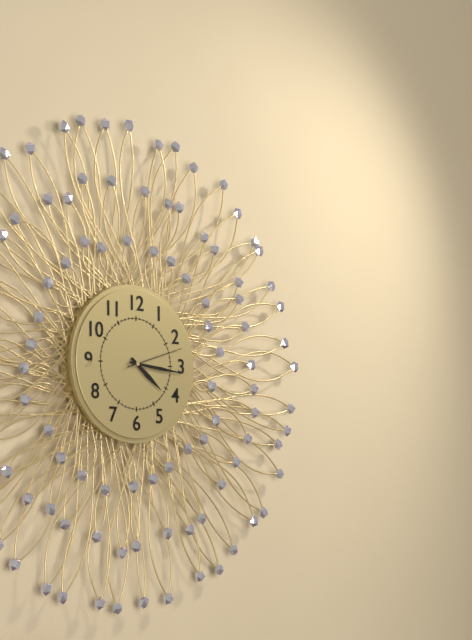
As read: 4.16.12
